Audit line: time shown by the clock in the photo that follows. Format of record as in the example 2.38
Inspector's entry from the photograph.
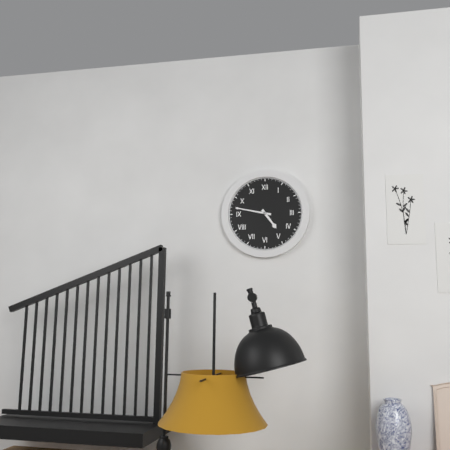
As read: 4.47
